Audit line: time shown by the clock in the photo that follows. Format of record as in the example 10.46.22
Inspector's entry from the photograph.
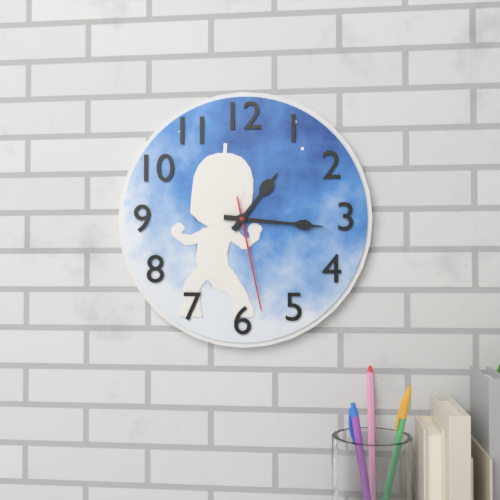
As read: 1.16.28
